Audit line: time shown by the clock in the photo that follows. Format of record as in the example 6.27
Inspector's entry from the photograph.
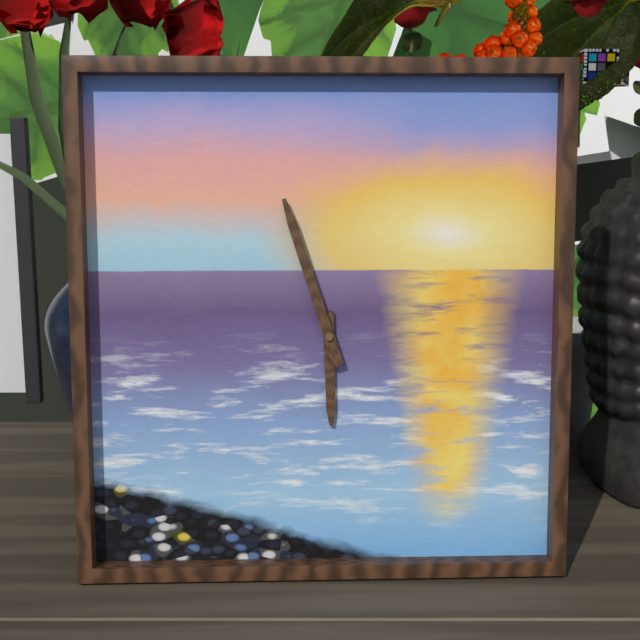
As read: 5.57
